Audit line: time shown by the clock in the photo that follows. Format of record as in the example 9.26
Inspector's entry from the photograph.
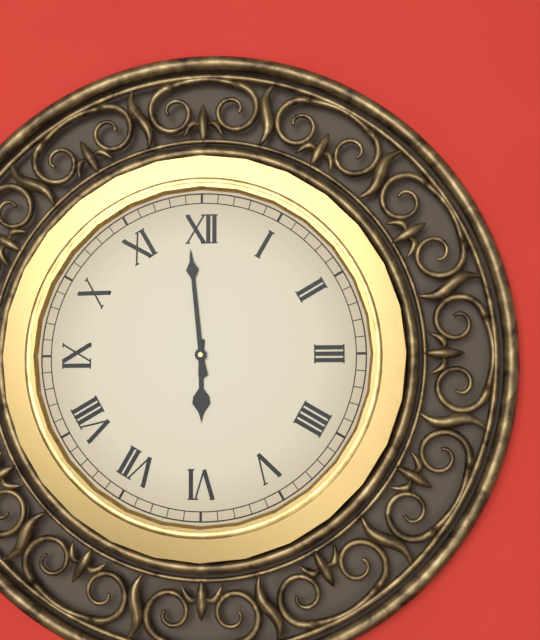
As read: 5.59
